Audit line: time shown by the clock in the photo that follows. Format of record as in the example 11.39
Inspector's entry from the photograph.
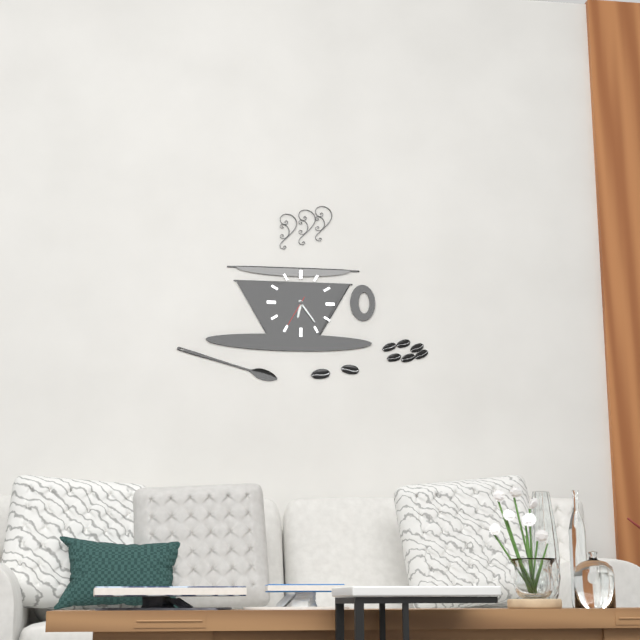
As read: 6.24
